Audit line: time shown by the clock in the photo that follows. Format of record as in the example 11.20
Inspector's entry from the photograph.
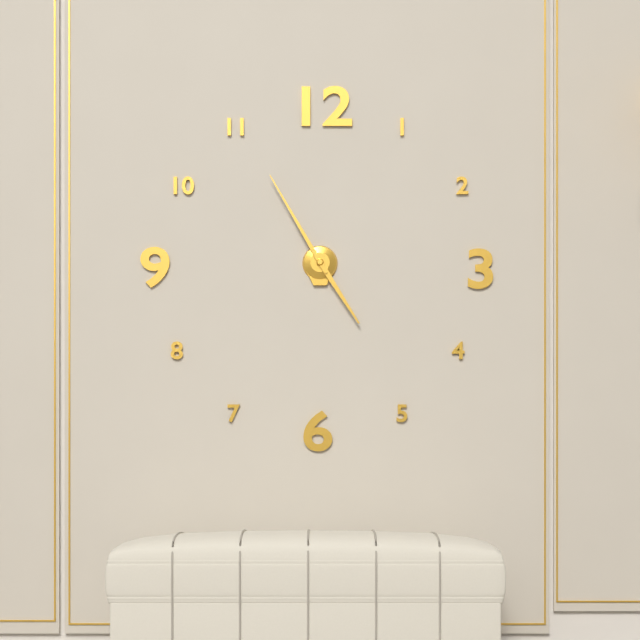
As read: 4.55
